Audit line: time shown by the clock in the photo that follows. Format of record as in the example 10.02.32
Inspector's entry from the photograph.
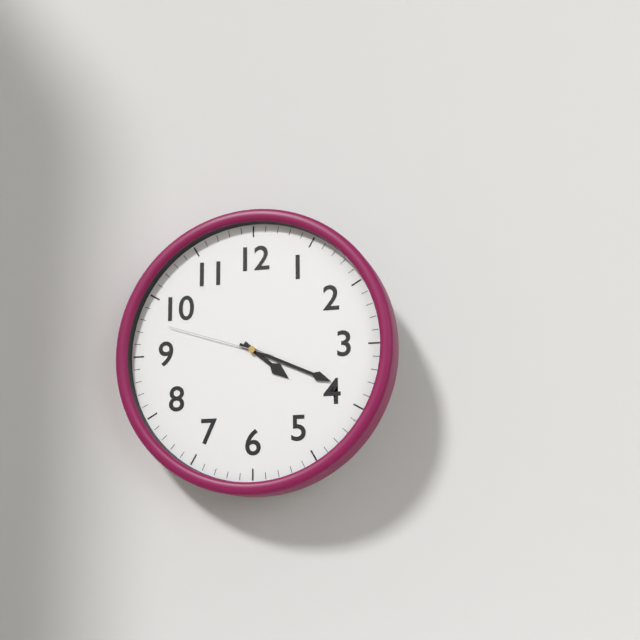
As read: 4.19.48
